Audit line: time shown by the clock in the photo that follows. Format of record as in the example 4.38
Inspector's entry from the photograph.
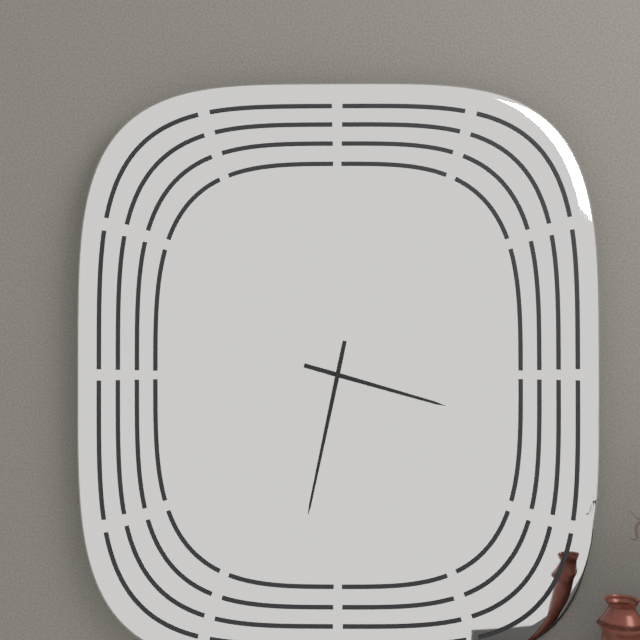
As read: 3.32
